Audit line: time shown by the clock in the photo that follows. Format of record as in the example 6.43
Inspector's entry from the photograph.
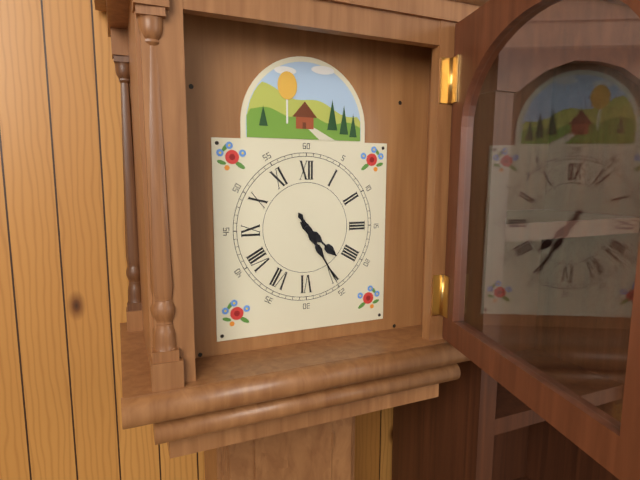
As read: 4.25
